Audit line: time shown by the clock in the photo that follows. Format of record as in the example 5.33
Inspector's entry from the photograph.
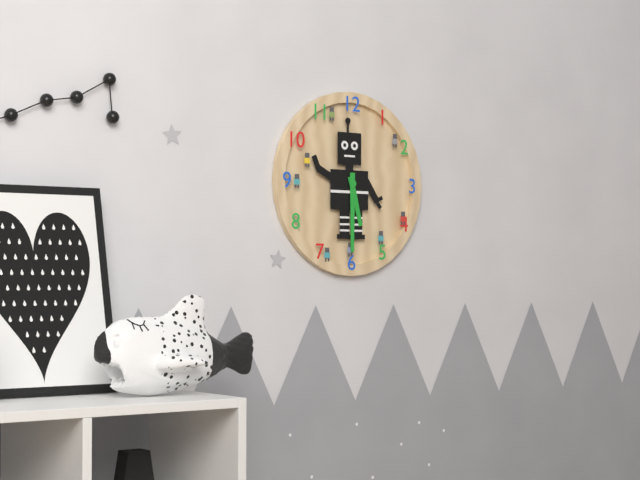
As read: 5.30
